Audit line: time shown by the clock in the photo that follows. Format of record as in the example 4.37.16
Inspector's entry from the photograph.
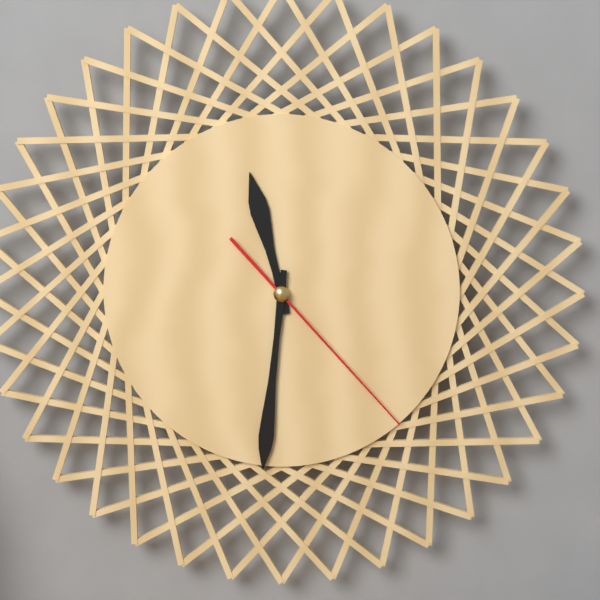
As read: 11.31.23
